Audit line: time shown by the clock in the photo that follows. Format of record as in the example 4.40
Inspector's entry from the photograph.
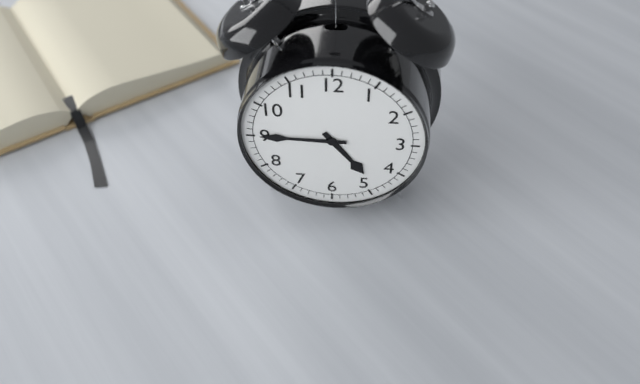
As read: 4.45
